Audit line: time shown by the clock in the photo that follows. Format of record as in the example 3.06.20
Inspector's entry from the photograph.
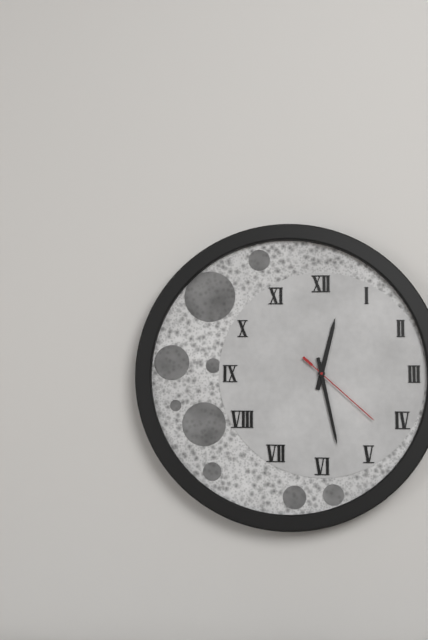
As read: 12.28.22
